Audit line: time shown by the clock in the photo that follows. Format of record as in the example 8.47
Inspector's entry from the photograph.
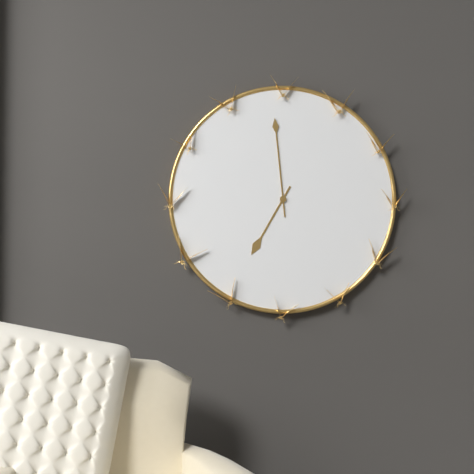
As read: 6.59
